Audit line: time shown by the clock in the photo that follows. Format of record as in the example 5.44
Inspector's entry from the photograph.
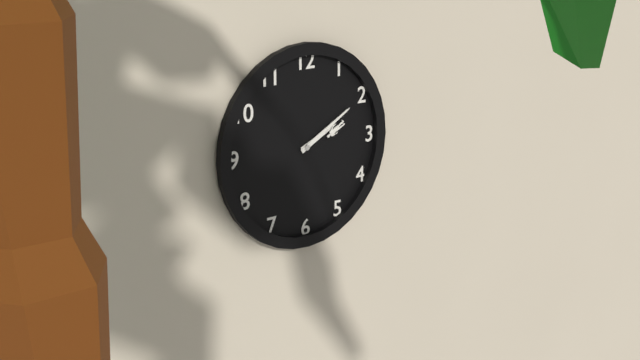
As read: 2.10
